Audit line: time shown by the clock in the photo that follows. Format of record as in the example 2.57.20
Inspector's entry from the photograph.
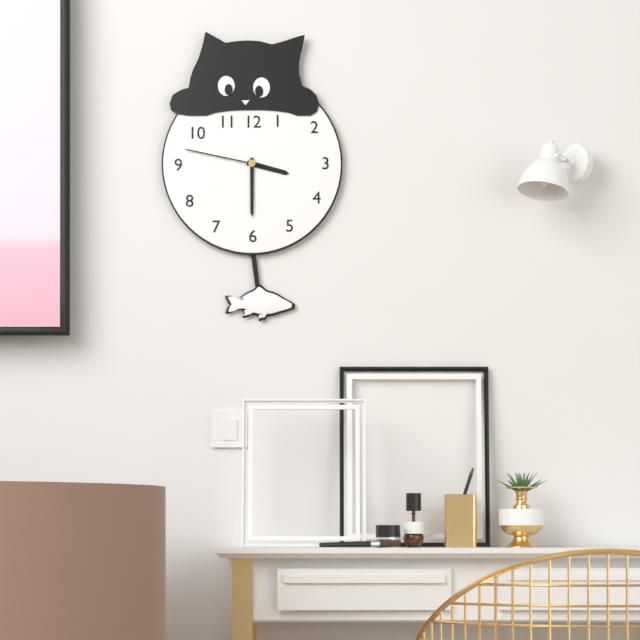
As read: 3.30.47
